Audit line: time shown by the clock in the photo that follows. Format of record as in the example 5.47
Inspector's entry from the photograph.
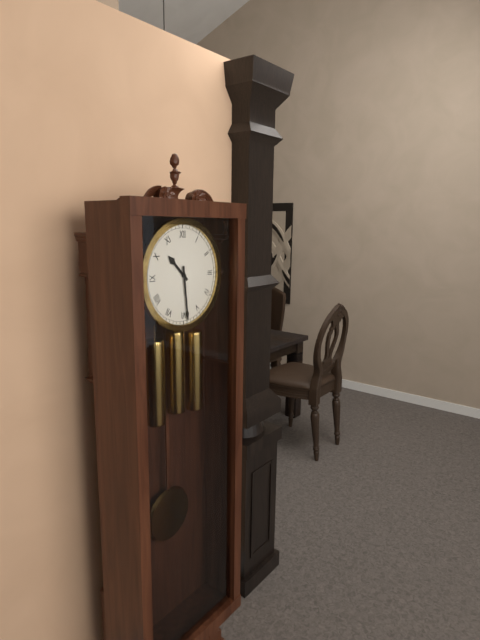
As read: 10.29
